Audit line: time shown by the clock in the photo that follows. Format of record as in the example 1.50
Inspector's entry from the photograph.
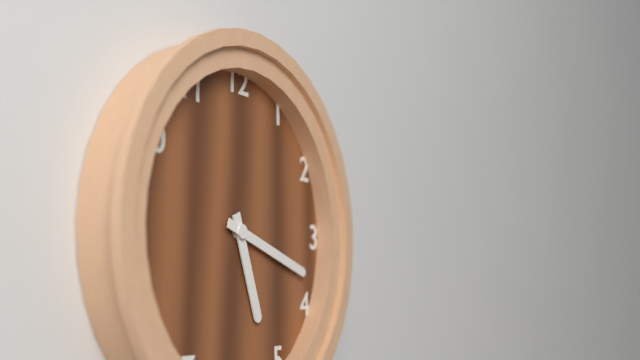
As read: 5.18
